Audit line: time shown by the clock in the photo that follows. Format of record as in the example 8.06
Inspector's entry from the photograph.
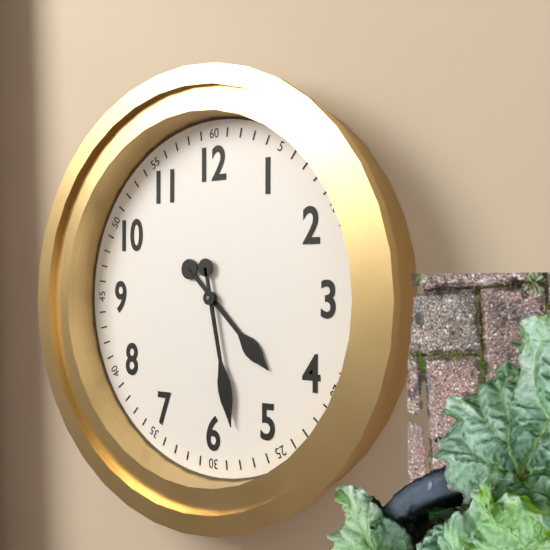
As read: 4.28
